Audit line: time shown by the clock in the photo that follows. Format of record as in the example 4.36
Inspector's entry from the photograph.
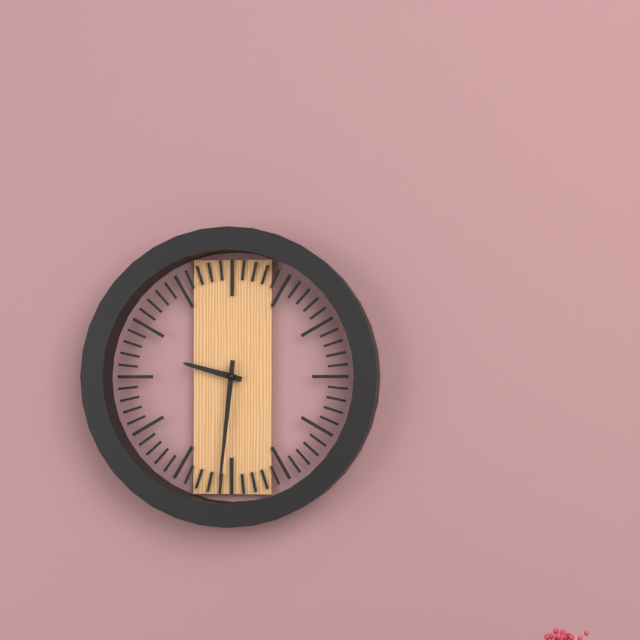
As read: 9.31
